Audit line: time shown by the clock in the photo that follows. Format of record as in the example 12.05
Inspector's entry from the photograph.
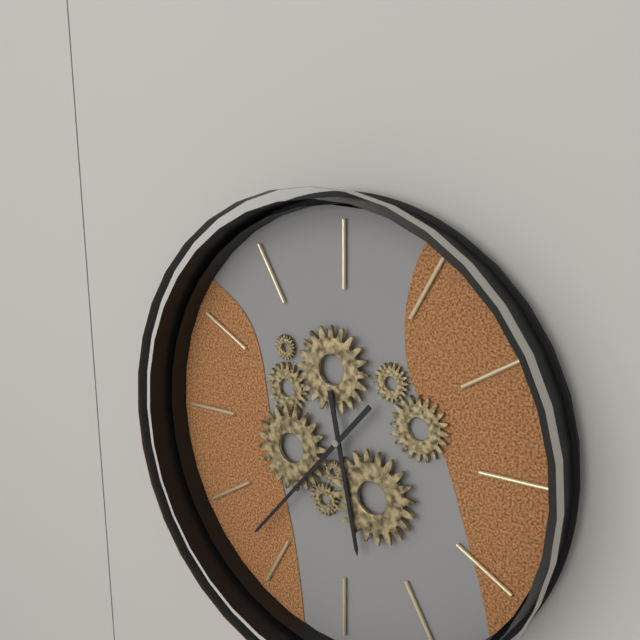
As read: 5.37
